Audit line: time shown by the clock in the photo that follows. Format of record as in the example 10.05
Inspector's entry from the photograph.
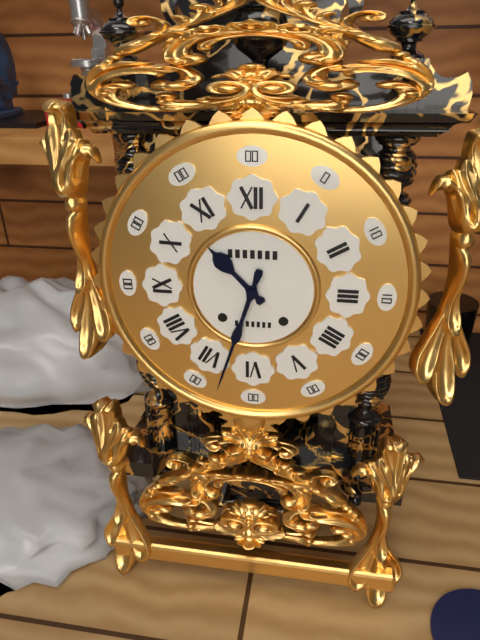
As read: 10.33
